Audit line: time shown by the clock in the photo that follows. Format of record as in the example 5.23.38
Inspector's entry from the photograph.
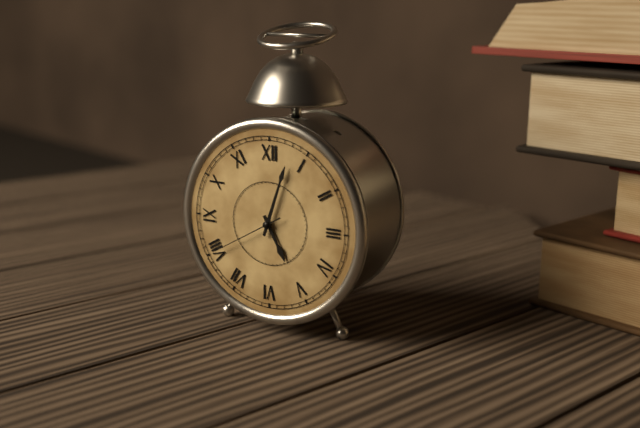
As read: 5.03.40
